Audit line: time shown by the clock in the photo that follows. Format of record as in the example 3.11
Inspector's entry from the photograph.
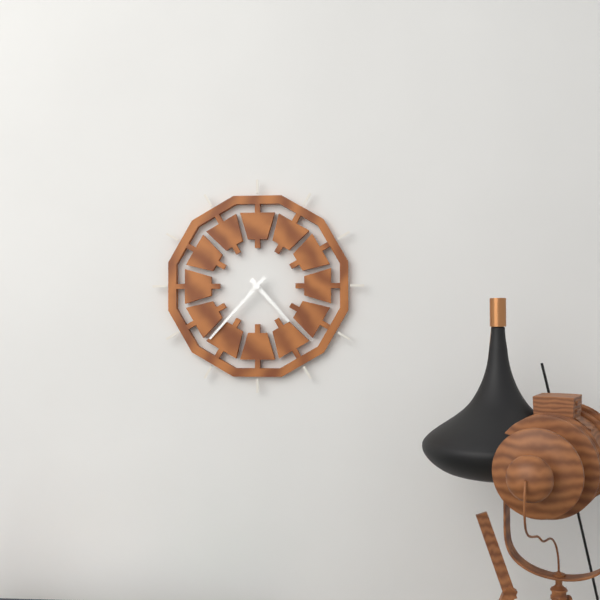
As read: 4.37
